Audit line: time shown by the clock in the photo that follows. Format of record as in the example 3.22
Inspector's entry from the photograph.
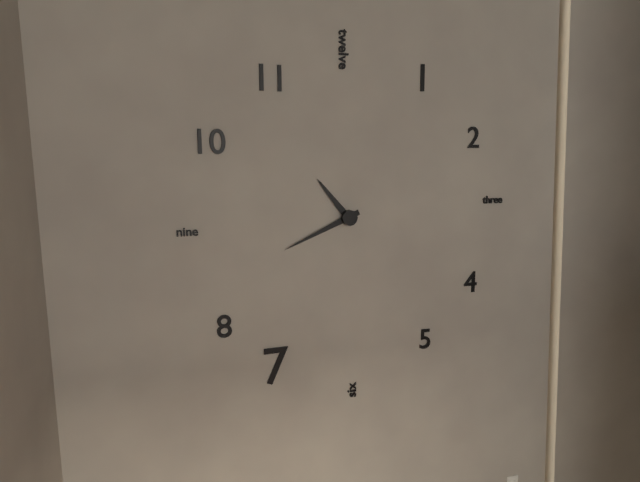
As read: 10.41
